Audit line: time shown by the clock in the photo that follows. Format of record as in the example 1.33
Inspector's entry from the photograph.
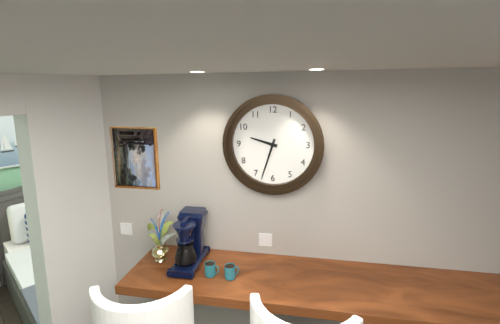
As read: 9.33
